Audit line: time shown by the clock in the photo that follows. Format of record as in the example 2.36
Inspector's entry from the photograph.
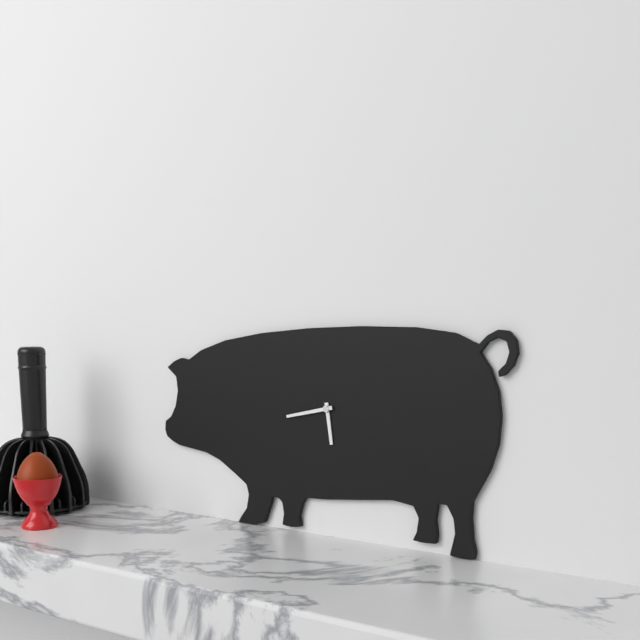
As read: 5.43
